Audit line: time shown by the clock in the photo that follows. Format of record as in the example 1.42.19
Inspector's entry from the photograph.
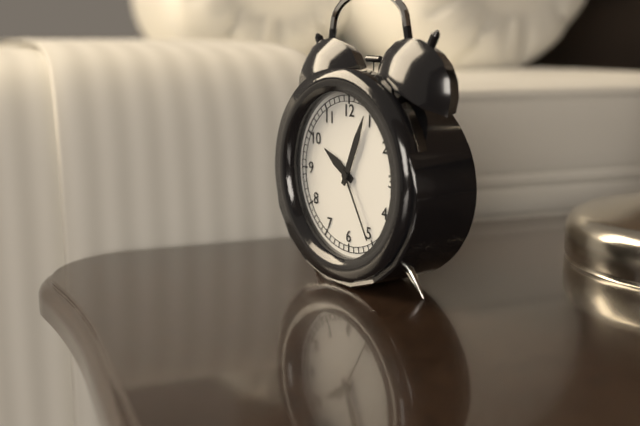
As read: 10.04.25
